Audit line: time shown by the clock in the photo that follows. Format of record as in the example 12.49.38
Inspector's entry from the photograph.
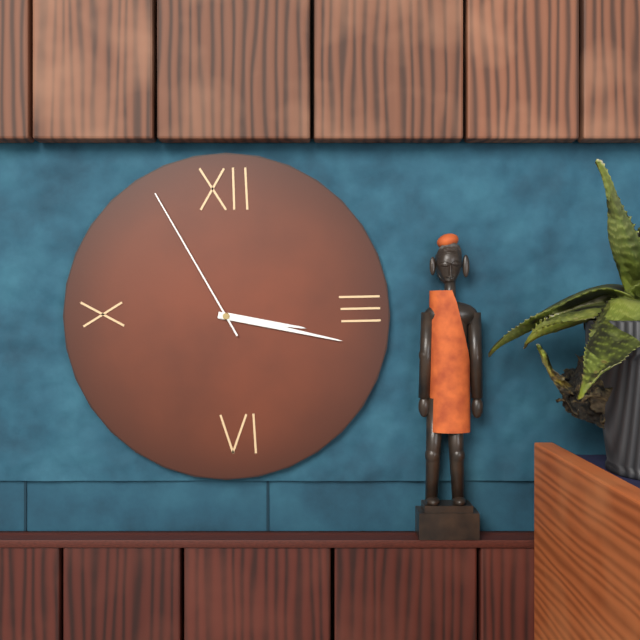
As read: 3.17.55
